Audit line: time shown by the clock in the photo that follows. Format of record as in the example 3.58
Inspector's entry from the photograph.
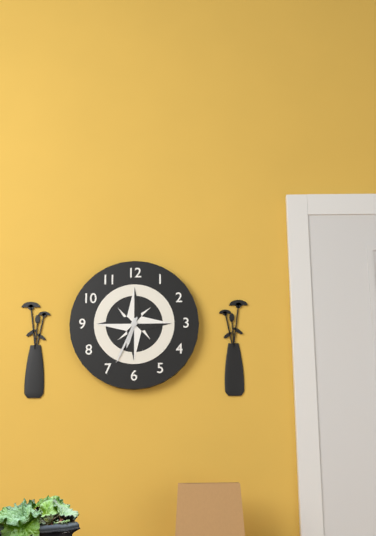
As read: 6.34
